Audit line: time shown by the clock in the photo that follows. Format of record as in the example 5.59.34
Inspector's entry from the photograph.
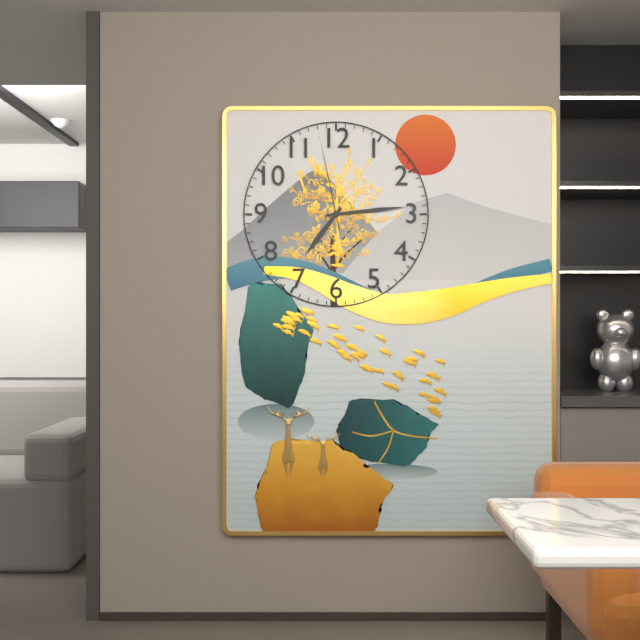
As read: 7.14.58
